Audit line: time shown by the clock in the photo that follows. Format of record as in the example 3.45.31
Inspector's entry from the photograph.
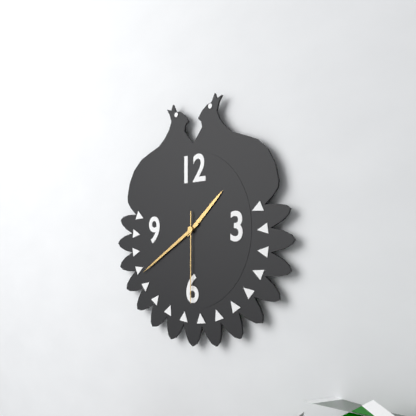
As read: 1.40.30
